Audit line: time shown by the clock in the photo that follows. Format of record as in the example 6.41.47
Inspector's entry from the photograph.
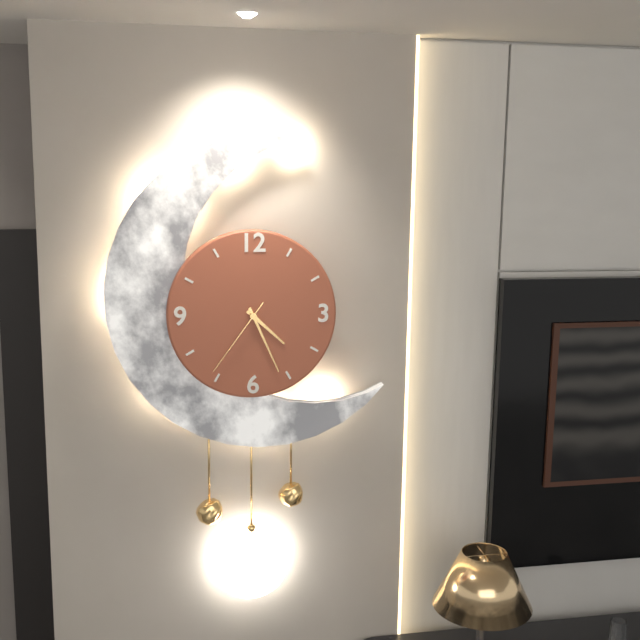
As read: 4.26.36
